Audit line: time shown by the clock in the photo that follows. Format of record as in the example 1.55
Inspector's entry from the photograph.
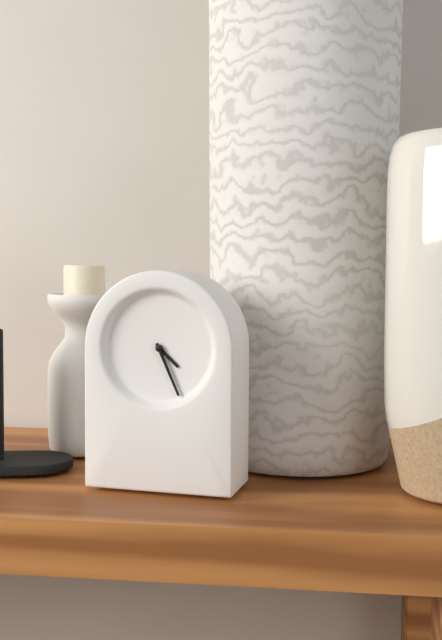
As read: 4.26
